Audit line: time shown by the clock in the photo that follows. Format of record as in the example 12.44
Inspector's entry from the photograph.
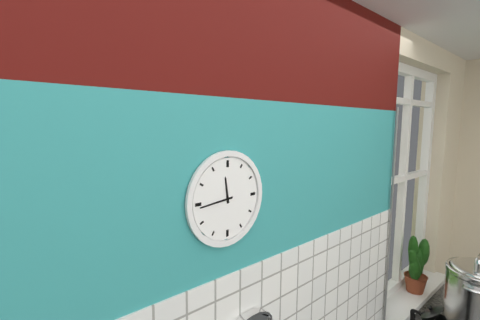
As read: 11.44
